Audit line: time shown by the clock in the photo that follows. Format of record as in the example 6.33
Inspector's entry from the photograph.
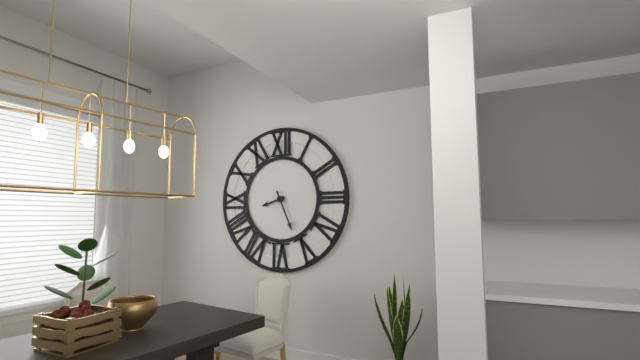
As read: 8.26
